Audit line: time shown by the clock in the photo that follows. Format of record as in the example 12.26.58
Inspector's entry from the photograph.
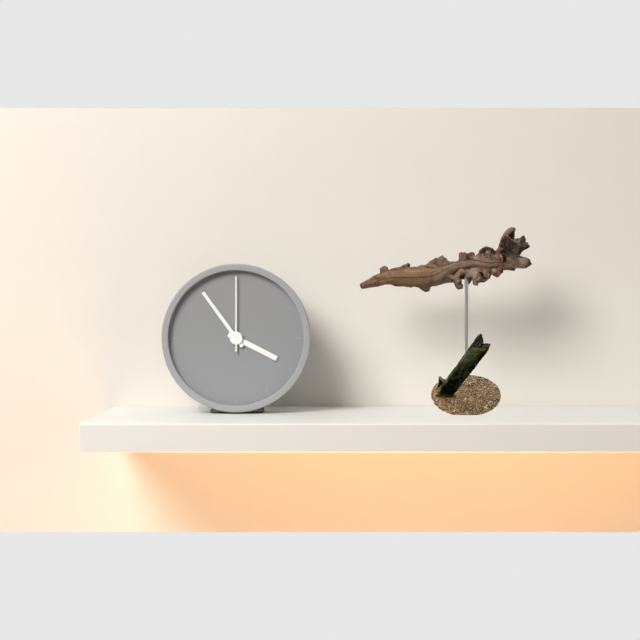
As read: 3.54.00
